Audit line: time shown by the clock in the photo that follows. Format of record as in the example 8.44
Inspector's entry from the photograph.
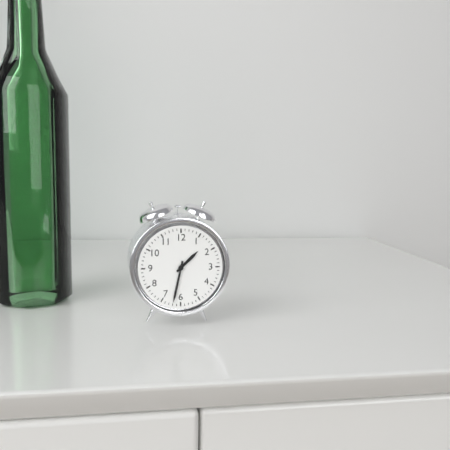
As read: 1.32
